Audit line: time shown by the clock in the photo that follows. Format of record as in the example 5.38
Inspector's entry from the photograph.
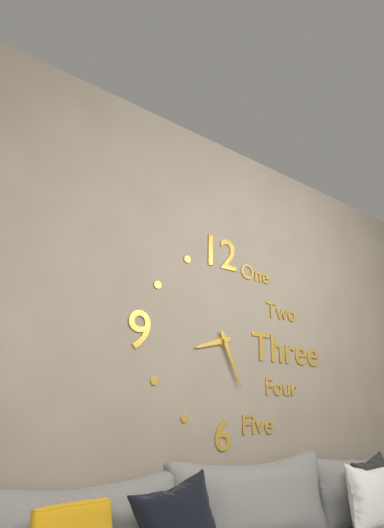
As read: 8.26
